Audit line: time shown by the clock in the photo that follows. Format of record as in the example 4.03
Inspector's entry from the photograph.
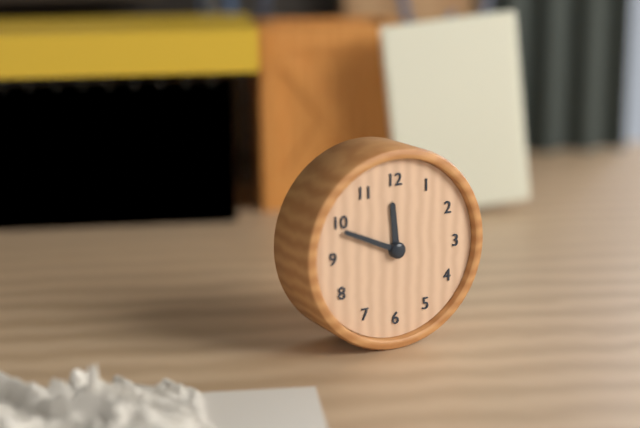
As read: 11.49
